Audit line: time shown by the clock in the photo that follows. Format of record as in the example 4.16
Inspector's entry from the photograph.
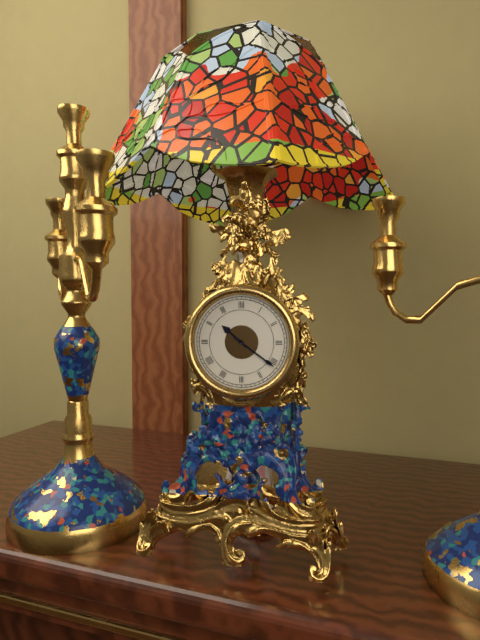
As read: 10.21
